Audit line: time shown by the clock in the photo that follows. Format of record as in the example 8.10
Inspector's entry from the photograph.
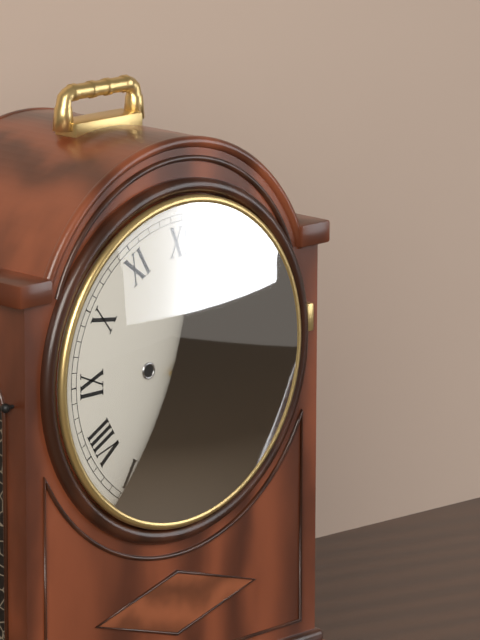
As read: 1.12
